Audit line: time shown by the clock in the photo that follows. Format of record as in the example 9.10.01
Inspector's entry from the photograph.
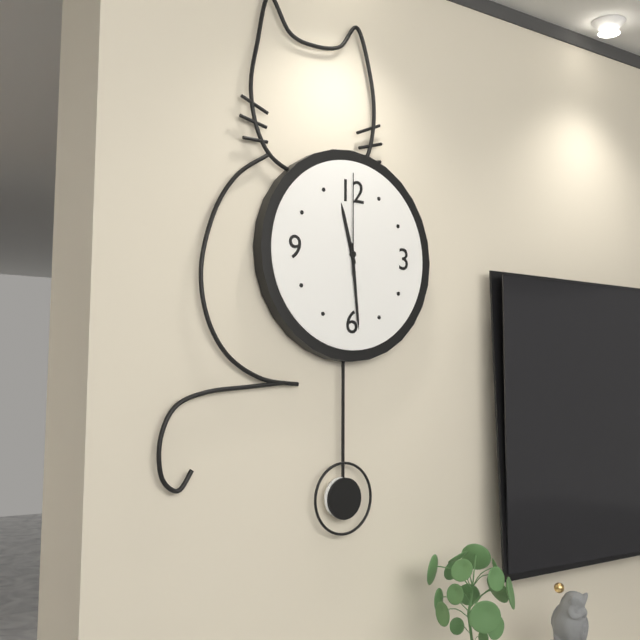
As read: 11.29.00
